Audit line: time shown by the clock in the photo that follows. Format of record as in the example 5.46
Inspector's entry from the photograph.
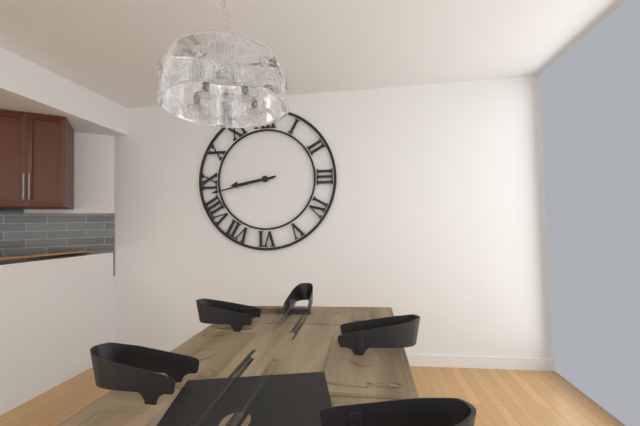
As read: 8.43
